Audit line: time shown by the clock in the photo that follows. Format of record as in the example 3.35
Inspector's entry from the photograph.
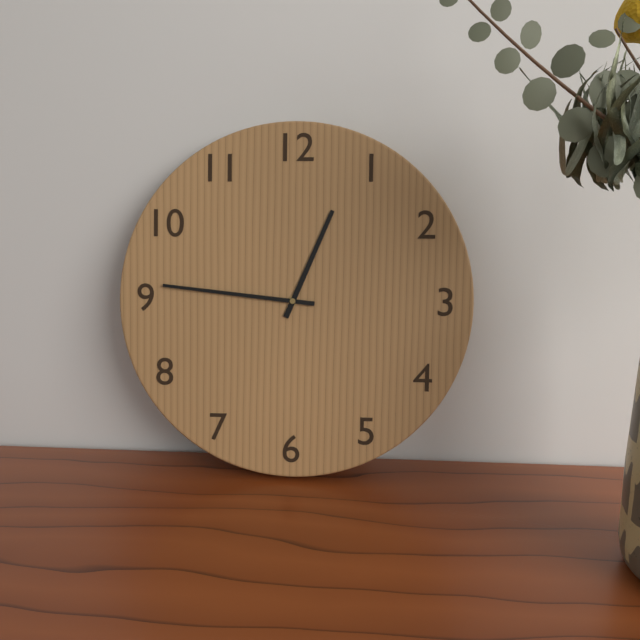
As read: 12.46
